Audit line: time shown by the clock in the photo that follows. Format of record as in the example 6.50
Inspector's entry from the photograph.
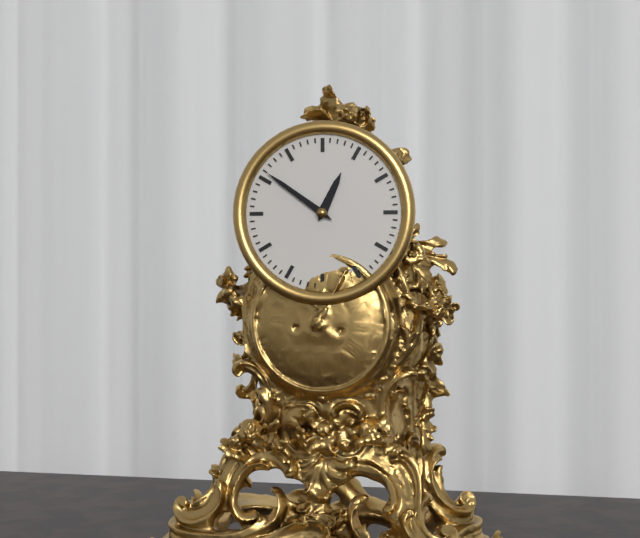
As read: 12.51
